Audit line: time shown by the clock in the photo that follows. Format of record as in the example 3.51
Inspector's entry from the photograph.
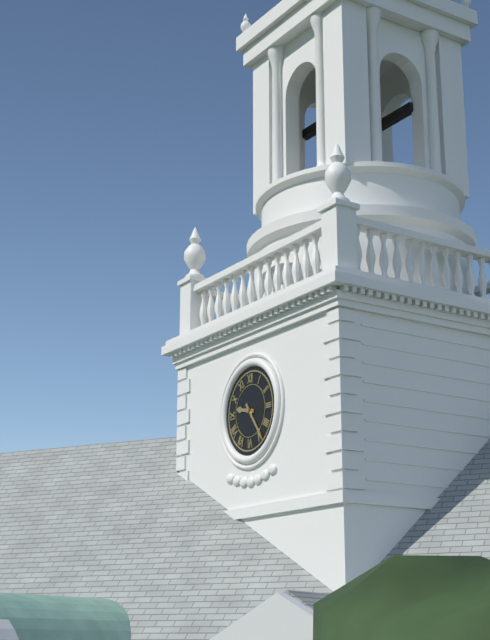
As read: 9.24
